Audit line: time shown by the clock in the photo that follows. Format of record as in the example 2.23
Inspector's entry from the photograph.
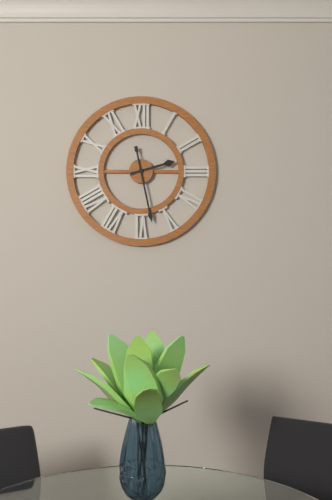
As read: 2.28
